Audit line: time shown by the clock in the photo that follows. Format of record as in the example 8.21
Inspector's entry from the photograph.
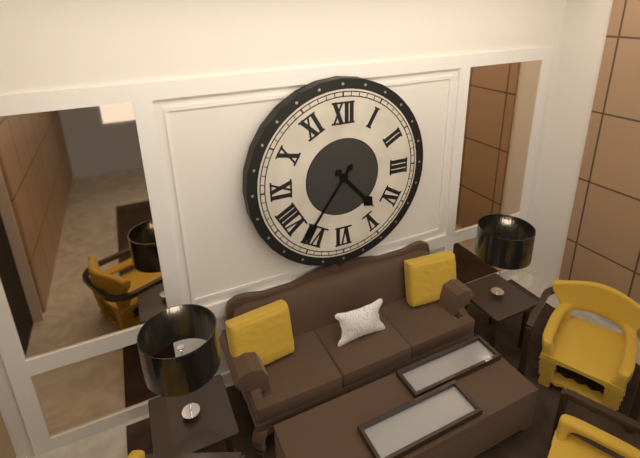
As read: 4.36
